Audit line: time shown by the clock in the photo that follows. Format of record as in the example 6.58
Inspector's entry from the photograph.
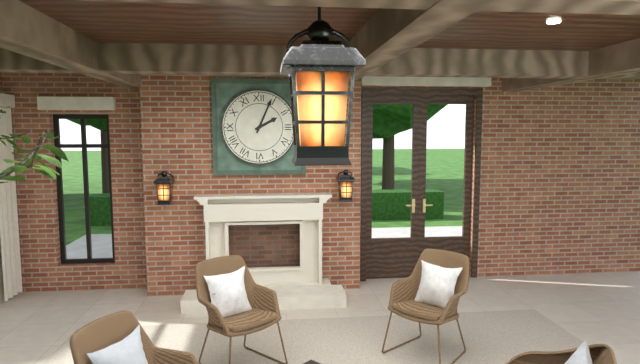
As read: 2.04
